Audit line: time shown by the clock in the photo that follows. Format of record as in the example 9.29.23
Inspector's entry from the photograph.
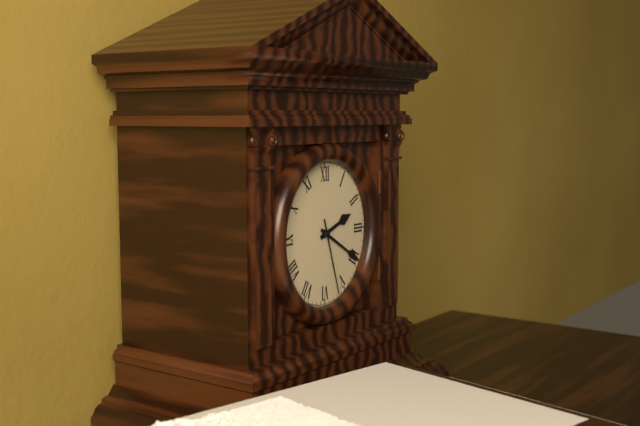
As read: 2.20.27
